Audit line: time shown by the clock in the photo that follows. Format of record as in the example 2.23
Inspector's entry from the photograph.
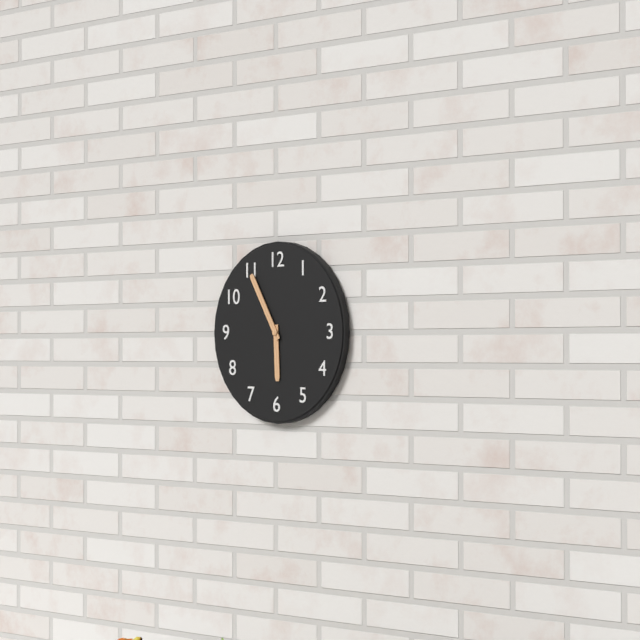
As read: 5.55
